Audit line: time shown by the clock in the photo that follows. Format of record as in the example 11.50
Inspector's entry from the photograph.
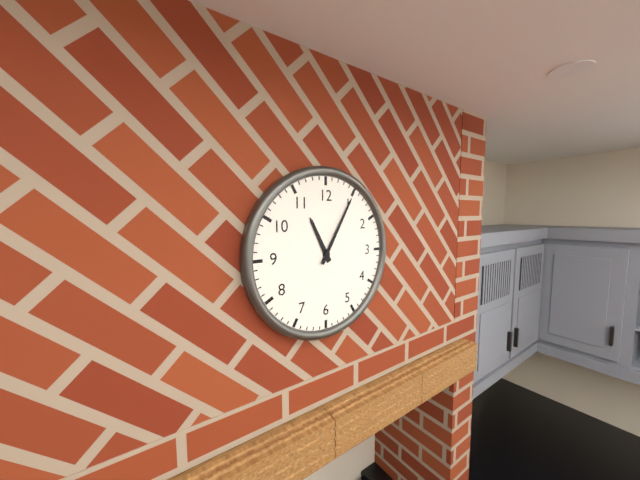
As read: 11.05
